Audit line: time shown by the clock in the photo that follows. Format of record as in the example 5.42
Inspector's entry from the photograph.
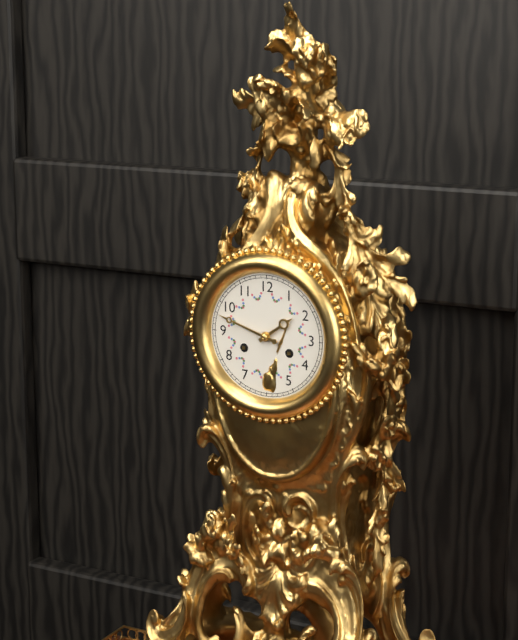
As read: 1.48
